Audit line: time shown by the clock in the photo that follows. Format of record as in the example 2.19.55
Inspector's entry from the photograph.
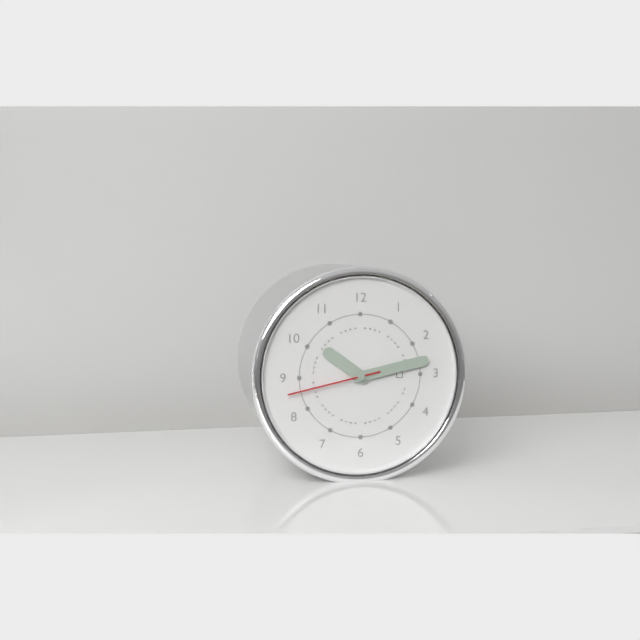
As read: 10.13.43
